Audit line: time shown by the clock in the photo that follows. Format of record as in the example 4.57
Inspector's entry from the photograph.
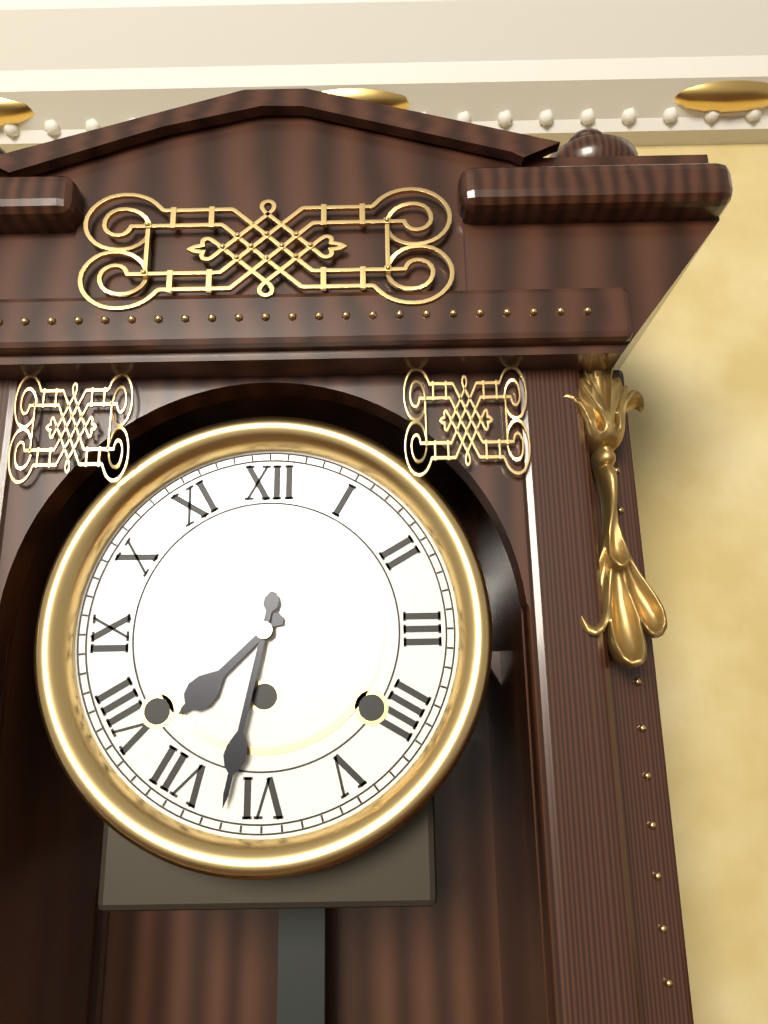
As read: 7.32
